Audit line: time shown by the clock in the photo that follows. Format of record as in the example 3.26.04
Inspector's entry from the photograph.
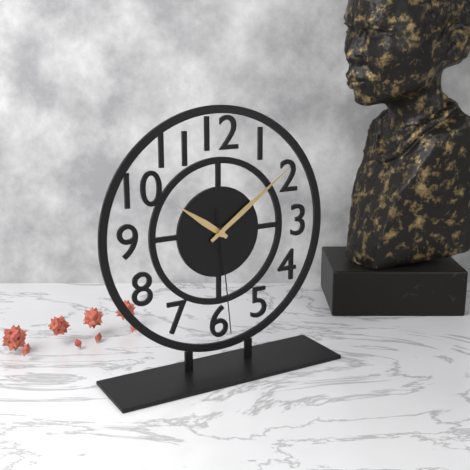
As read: 10.09.29
